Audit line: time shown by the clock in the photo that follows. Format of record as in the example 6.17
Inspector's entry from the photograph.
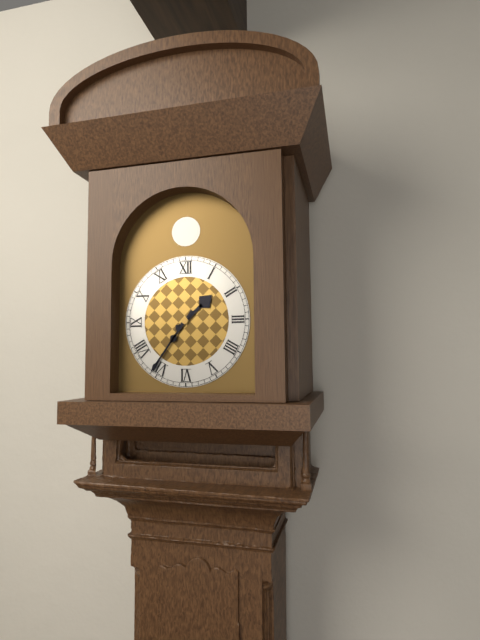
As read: 1.36
